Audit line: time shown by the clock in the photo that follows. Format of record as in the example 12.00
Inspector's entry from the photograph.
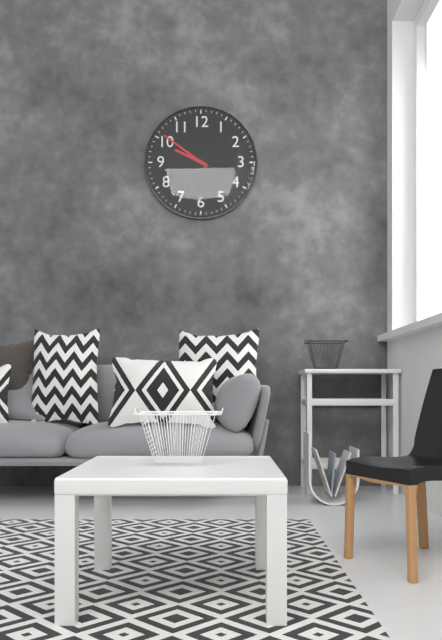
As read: 9.51
